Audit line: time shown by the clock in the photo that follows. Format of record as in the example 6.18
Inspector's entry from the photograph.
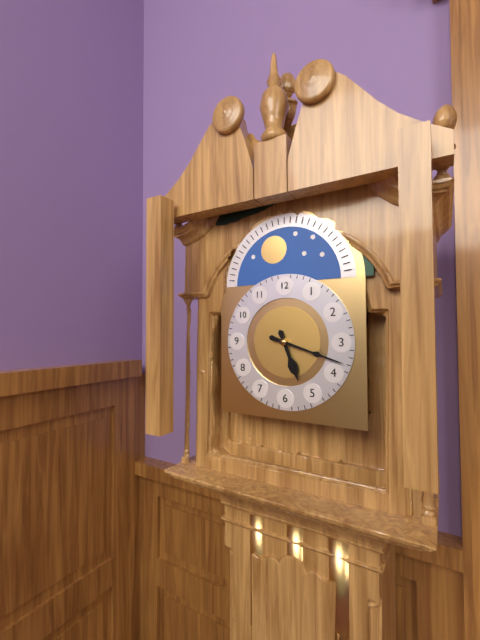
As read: 5.18
